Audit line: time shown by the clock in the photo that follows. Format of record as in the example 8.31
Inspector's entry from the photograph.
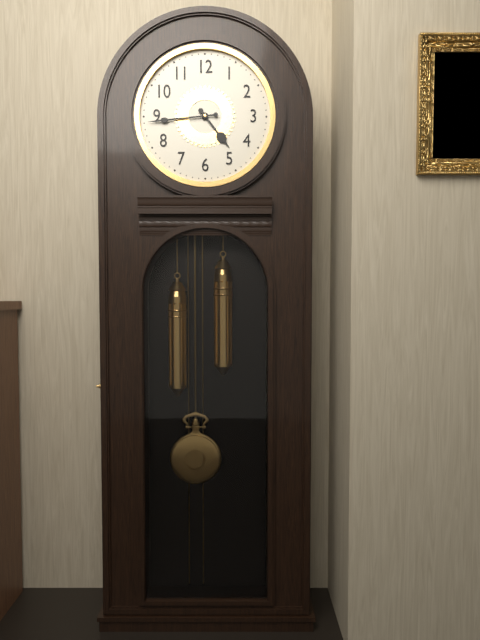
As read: 4.44
